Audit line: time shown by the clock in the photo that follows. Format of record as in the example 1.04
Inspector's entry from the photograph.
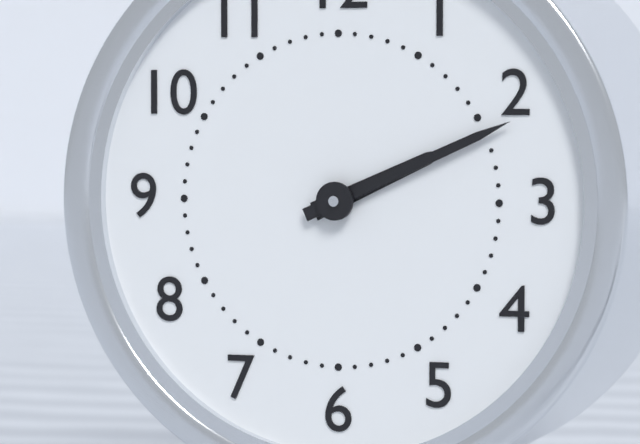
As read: 2.11
